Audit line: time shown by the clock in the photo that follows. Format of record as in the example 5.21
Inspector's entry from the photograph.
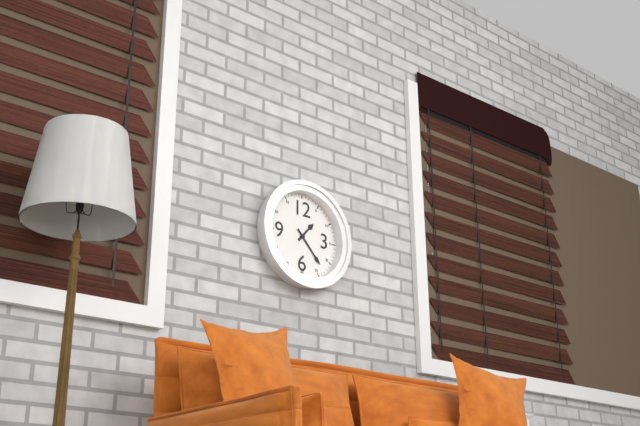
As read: 1.23
